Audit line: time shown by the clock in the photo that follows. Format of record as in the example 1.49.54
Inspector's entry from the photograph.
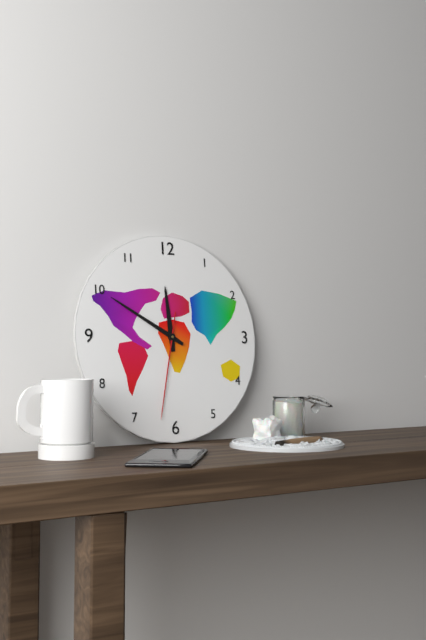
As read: 11.50.32
